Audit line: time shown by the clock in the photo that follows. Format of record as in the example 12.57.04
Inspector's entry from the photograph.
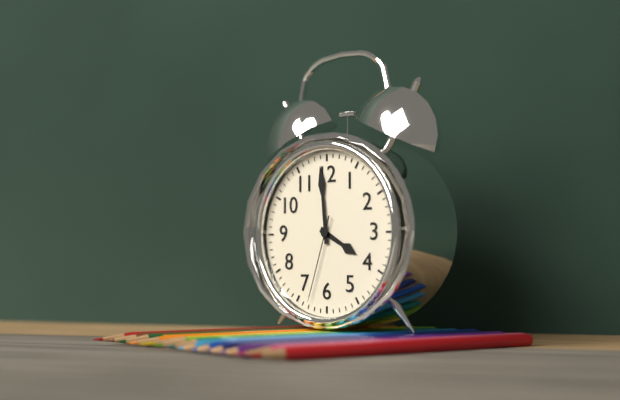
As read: 3.59.33
